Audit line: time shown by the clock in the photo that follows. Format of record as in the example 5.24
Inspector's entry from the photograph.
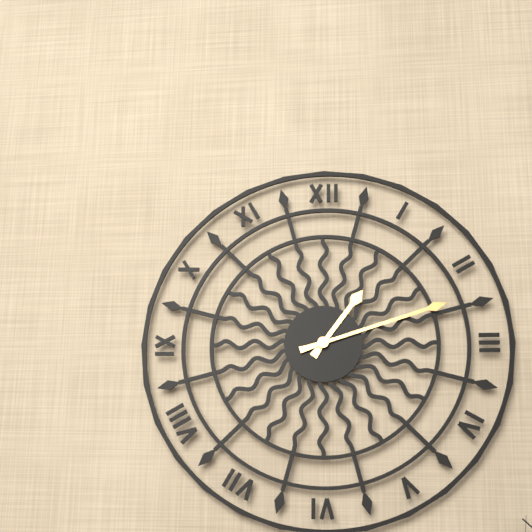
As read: 1.12
